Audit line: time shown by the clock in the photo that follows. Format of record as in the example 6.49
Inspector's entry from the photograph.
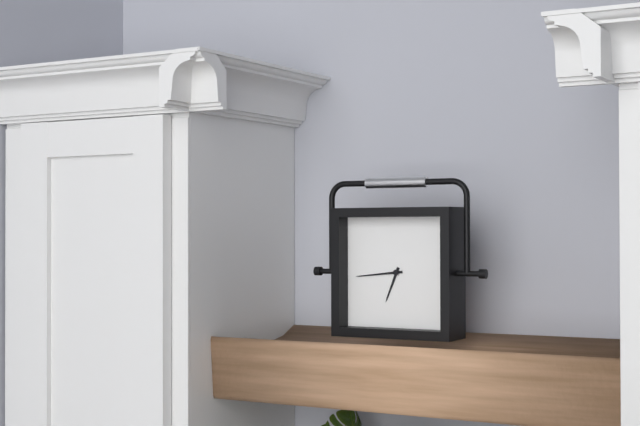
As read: 6.44
